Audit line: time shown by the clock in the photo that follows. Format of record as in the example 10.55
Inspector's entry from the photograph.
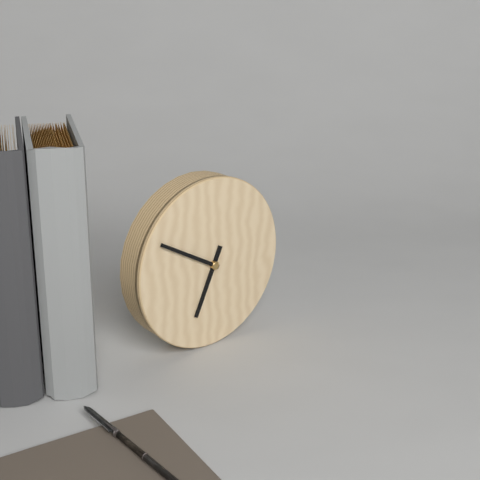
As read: 6.50
